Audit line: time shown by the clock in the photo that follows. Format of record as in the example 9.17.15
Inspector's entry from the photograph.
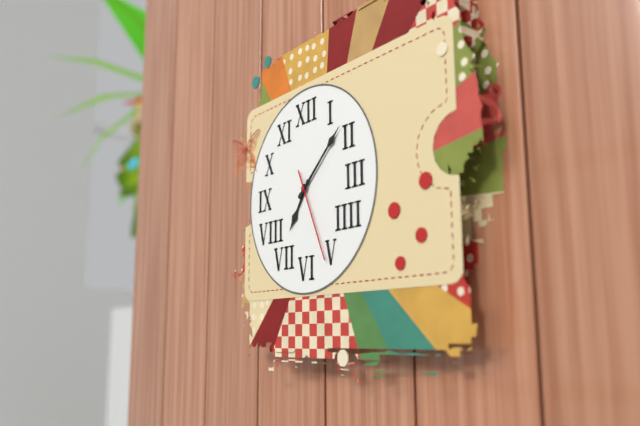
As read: 7.08.26
